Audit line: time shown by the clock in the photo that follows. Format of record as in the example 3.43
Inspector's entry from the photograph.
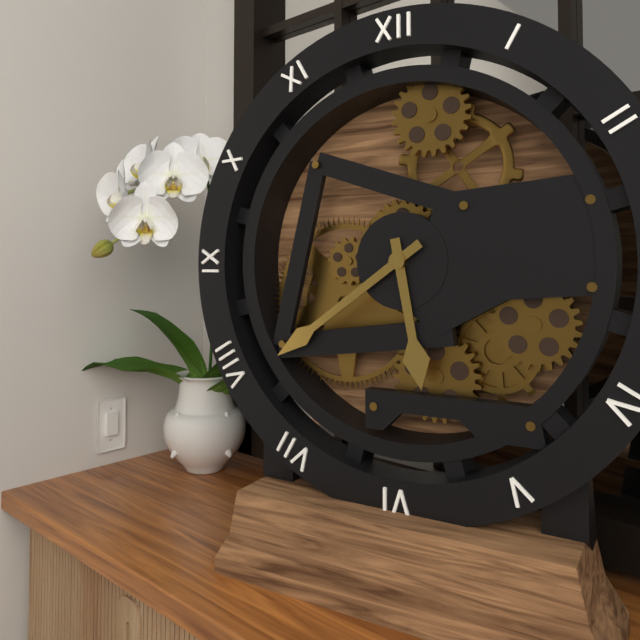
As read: 5.39
